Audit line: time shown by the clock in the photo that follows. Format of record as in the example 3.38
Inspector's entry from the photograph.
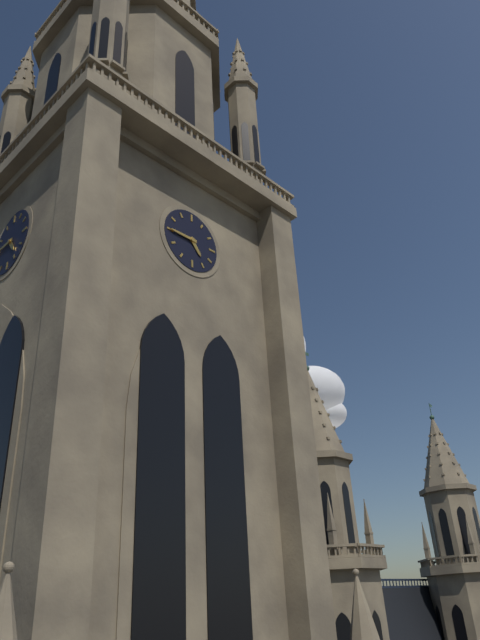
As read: 4.45
